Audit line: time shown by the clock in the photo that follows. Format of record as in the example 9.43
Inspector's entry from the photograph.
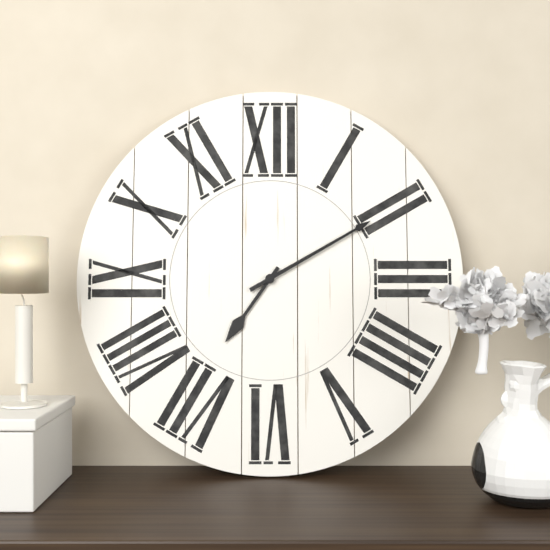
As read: 7.10
